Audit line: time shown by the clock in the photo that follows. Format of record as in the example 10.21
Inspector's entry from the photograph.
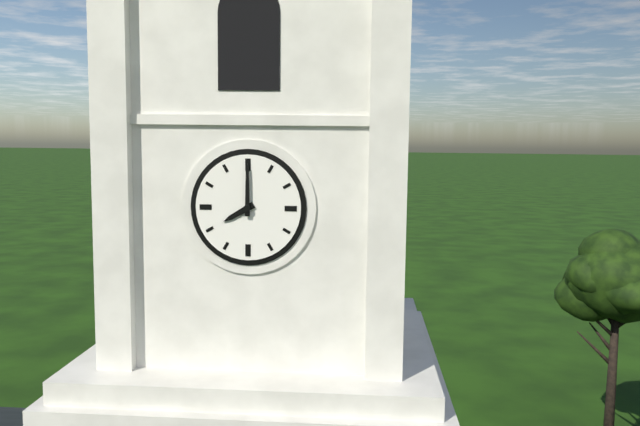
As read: 8.00
